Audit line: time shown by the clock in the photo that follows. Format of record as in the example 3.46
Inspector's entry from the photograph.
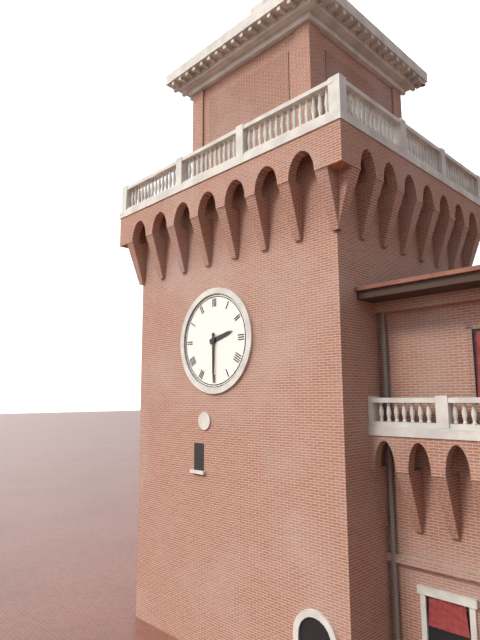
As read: 2.30
